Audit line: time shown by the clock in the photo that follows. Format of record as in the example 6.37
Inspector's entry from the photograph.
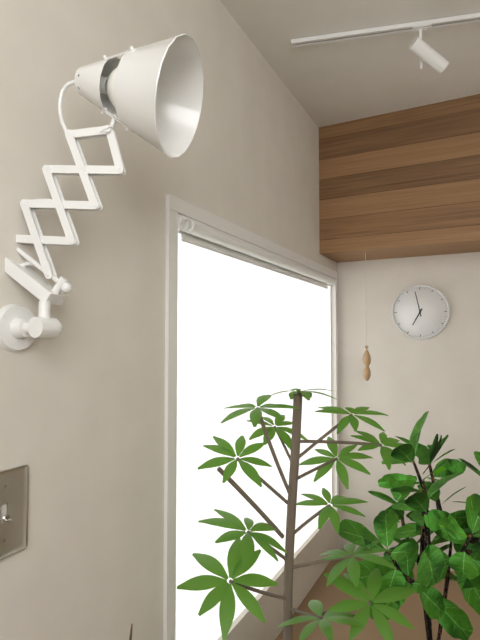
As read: 6.58
